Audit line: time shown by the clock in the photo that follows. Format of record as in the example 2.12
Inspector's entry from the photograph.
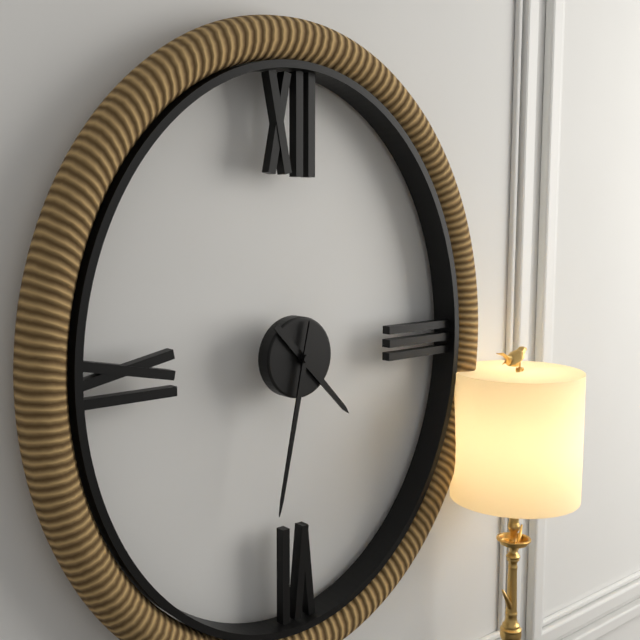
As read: 4.32
